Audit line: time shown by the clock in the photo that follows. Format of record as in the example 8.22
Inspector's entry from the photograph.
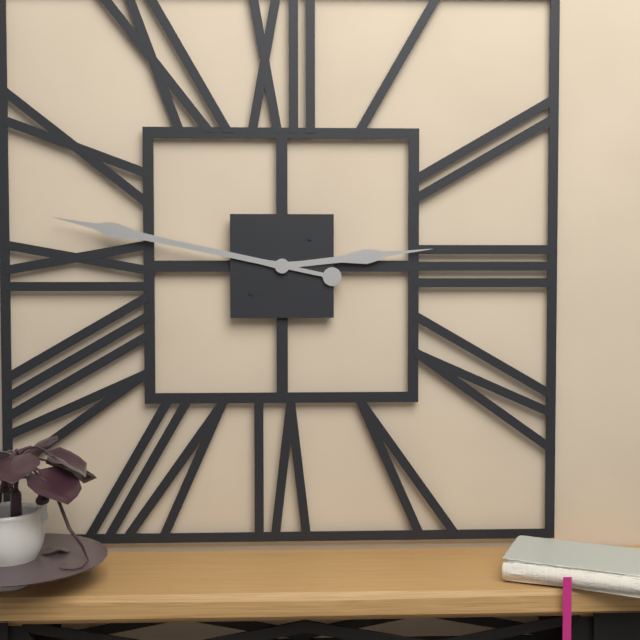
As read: 2.47
